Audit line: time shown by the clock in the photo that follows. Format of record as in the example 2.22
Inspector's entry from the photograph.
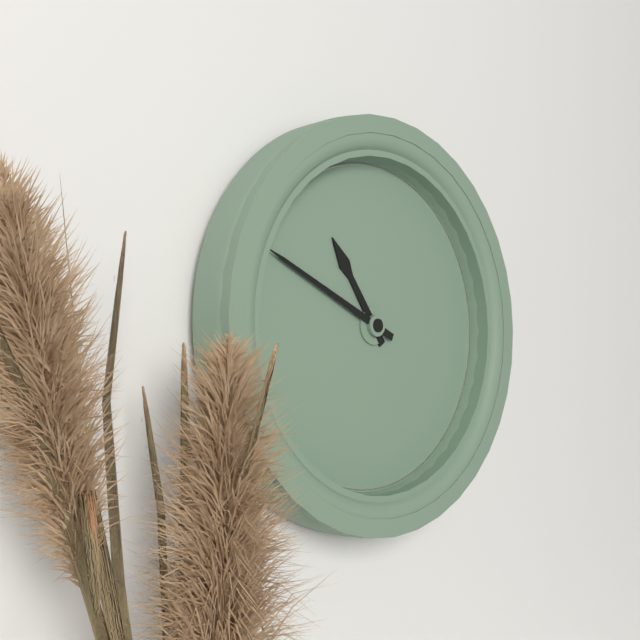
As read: 10.49
